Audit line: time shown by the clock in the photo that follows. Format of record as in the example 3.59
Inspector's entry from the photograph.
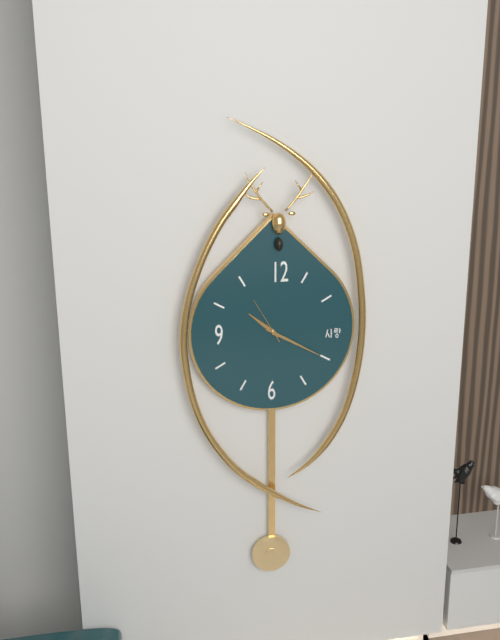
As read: 10.20
